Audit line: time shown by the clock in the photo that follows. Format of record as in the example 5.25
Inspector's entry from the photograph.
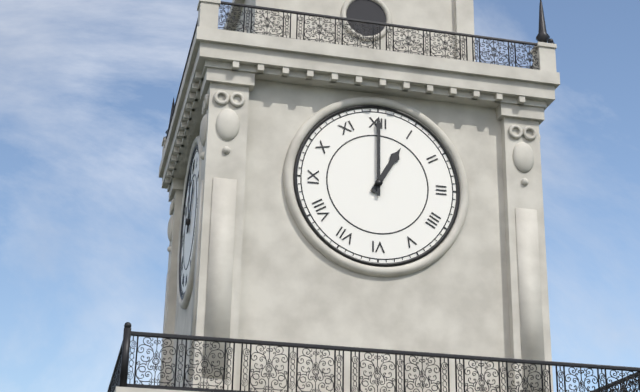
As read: 1.00
